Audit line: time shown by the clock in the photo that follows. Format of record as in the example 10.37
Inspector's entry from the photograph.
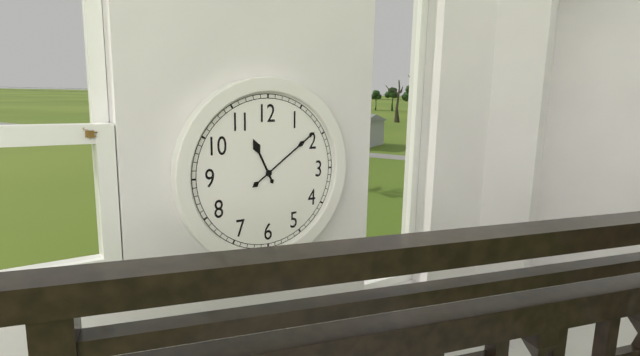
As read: 11.09
